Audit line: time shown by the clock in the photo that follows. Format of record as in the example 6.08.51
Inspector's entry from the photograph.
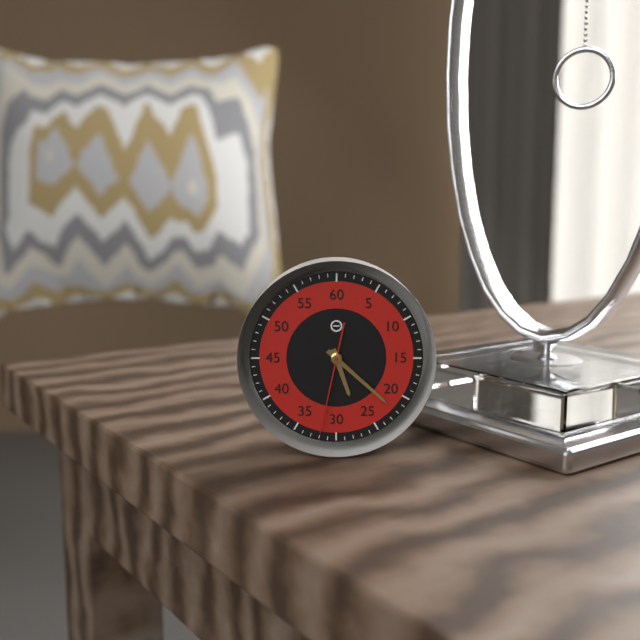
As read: 5.22.32
